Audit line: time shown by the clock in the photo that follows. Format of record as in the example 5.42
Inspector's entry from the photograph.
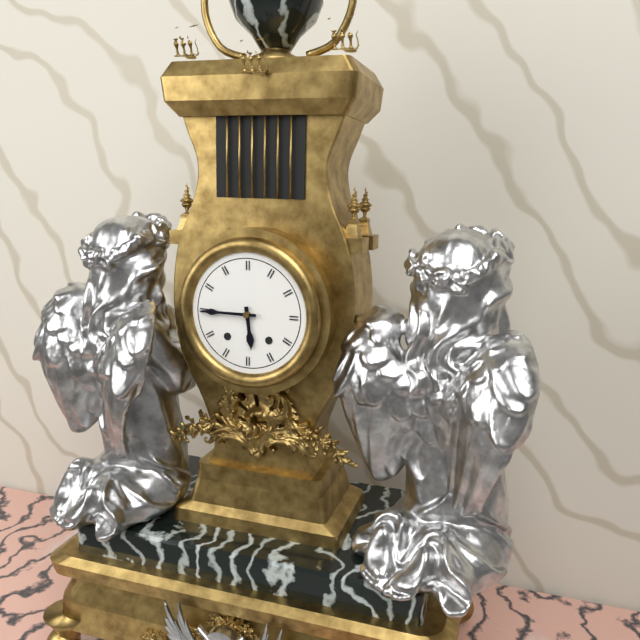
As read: 5.45
